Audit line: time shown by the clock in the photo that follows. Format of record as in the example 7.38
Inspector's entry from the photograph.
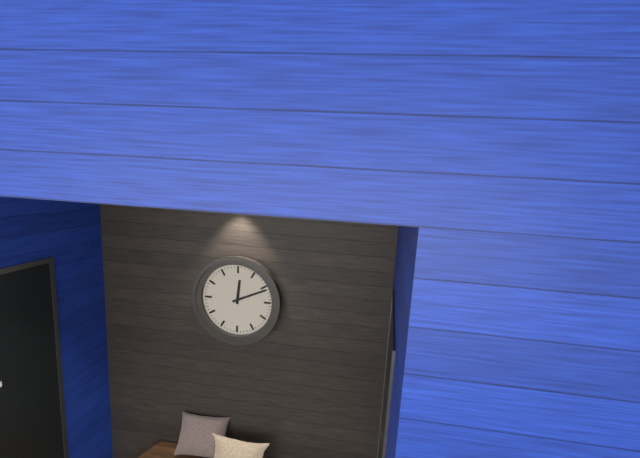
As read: 12.11
